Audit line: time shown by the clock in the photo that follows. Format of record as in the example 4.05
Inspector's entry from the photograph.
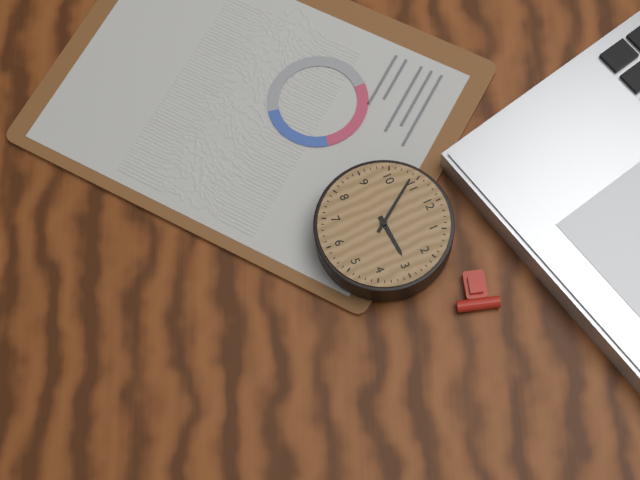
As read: 2.54
